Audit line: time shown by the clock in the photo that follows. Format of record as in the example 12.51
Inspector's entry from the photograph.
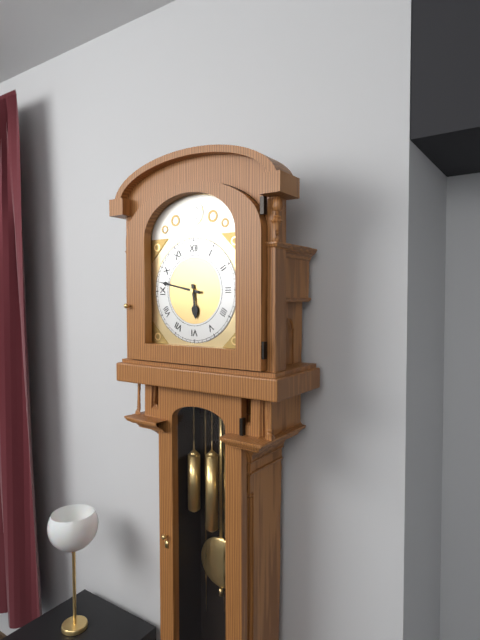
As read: 5.47
